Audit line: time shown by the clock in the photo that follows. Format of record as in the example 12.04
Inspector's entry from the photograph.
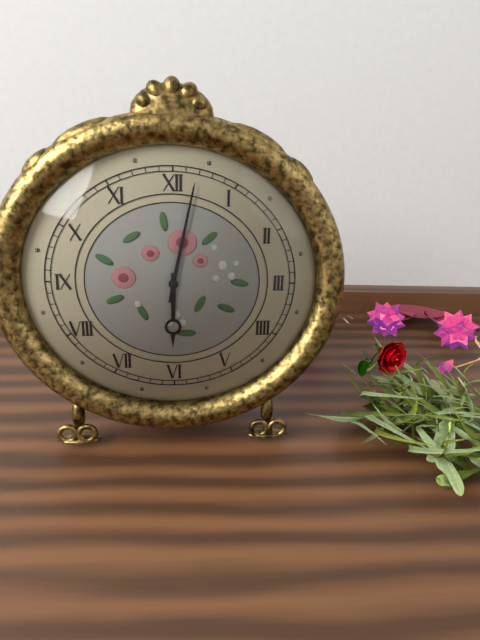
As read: 6.02
